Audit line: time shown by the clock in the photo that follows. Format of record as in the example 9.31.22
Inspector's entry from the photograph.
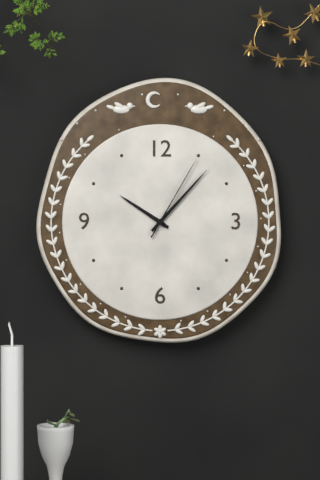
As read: 10.07.05
